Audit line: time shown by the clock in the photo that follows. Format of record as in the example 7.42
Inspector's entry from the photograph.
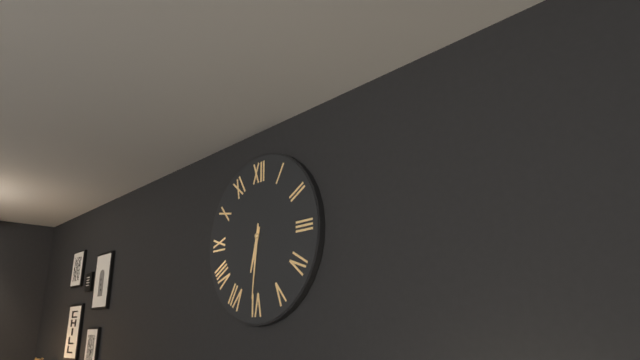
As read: 6.31
